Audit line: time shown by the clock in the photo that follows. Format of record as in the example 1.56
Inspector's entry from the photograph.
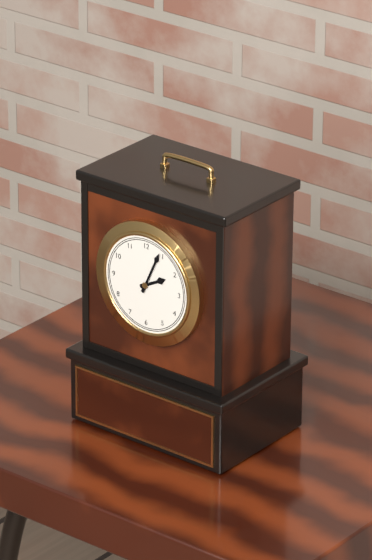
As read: 2.04
